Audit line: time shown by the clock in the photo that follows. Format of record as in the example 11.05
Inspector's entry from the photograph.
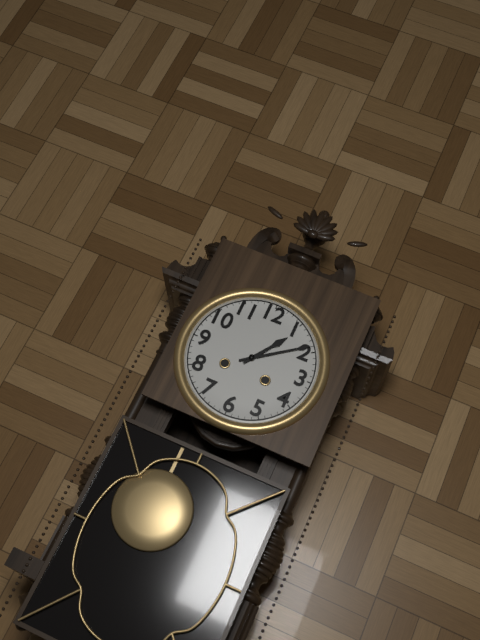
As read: 1.09
